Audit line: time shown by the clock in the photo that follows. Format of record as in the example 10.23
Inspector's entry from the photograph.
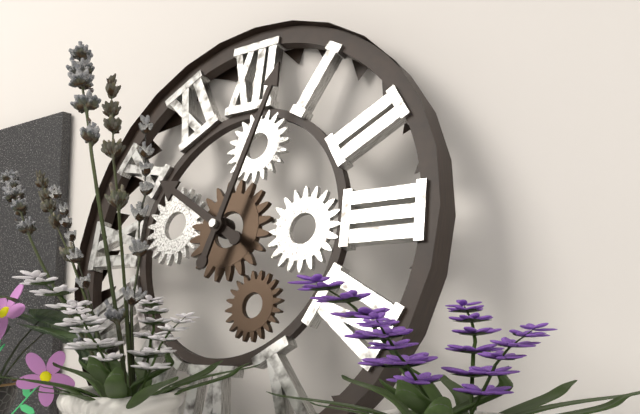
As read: 10.03
